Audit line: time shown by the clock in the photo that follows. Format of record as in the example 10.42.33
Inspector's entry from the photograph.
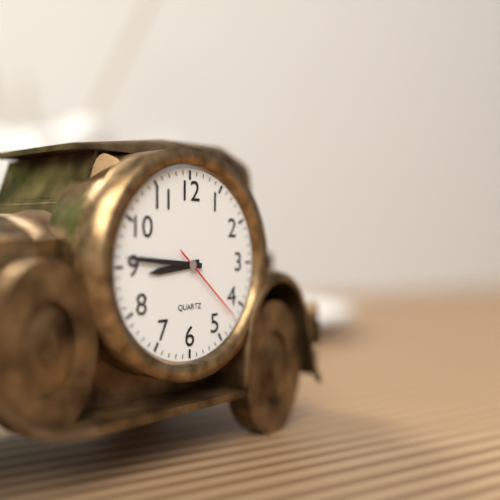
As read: 8.46.22
